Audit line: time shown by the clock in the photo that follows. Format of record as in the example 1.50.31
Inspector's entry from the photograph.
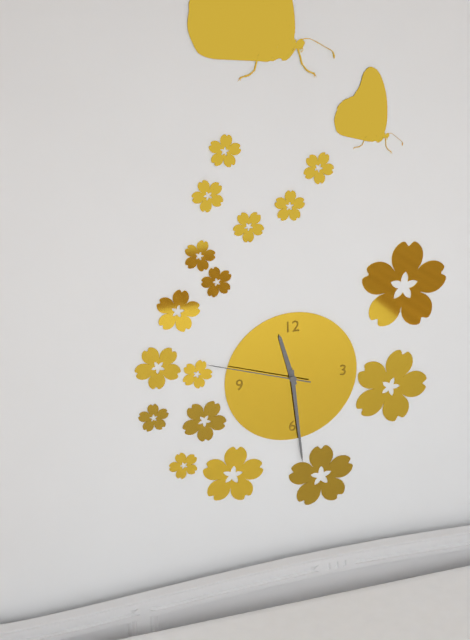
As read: 11.29.48
